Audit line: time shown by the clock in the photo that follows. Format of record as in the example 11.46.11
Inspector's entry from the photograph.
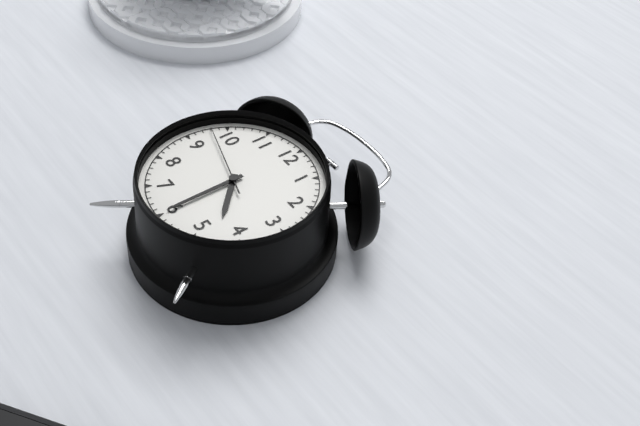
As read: 4.30.48
